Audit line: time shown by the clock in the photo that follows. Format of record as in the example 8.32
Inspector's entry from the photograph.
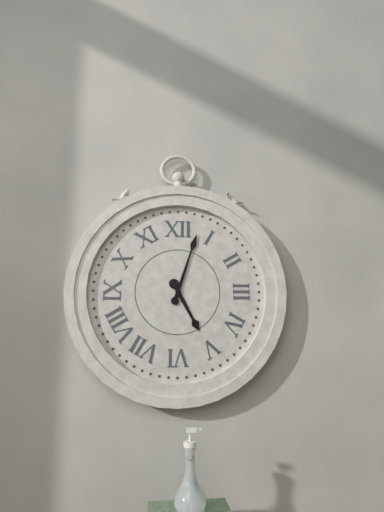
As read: 5.03
